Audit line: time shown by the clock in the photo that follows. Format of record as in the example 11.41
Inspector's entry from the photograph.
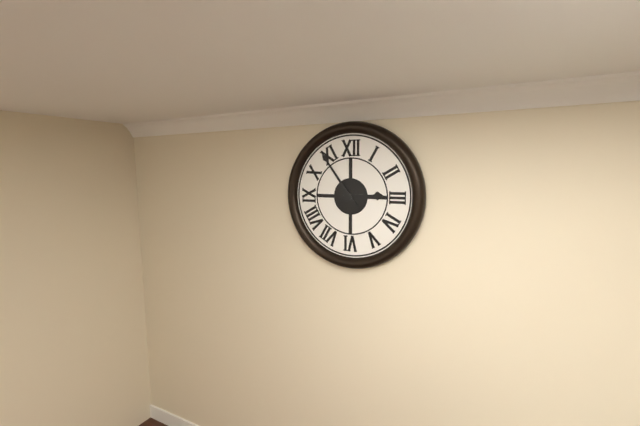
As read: 2.54
